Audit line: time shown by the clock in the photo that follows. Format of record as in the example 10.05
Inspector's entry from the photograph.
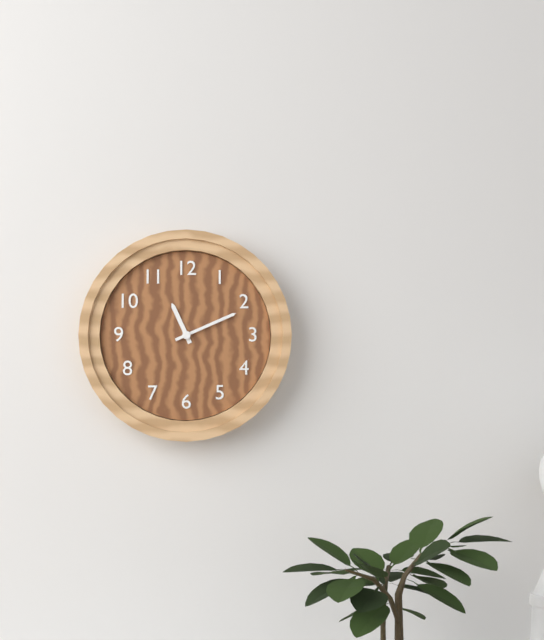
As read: 11.11
